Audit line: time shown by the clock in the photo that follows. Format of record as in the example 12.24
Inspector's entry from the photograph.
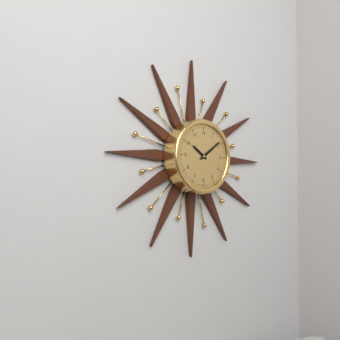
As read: 10.09
